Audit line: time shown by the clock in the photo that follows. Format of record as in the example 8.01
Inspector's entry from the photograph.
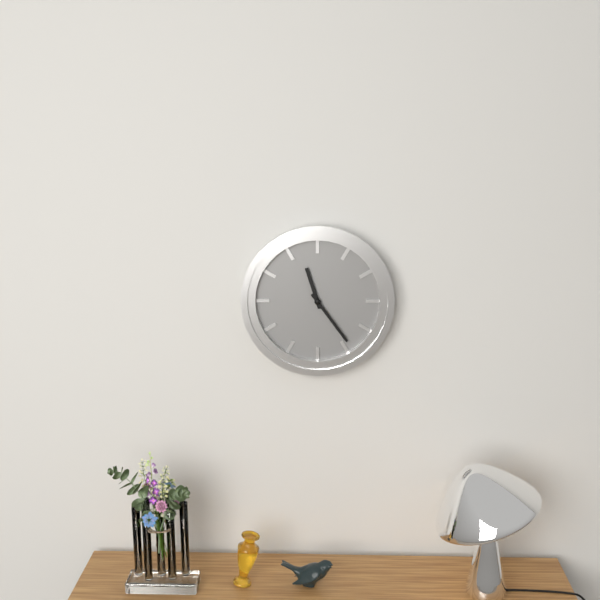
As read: 11.24
